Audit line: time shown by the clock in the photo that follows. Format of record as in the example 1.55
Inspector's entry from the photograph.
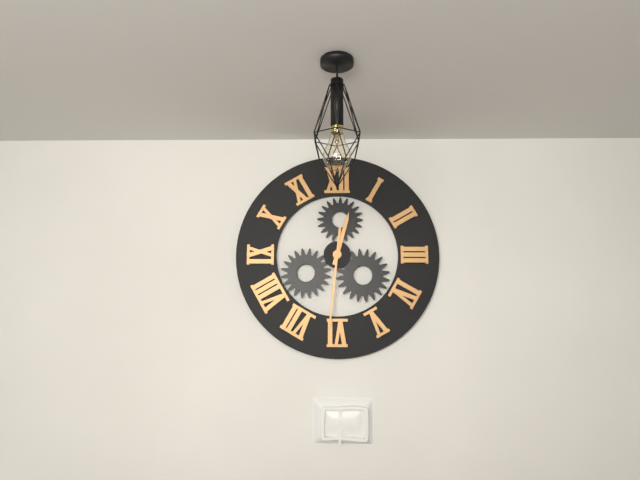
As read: 12.31
